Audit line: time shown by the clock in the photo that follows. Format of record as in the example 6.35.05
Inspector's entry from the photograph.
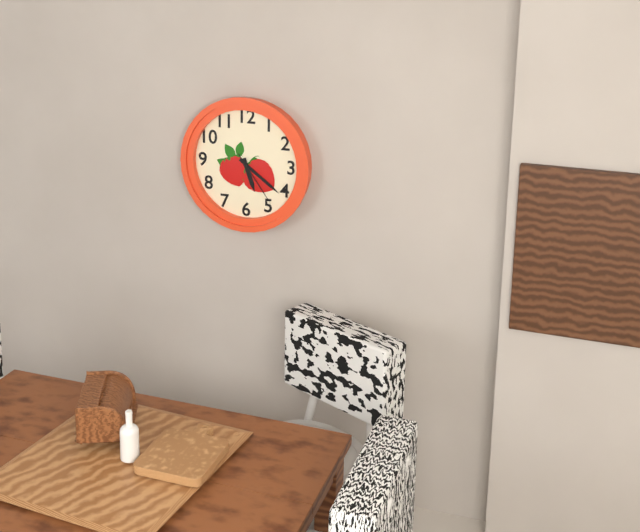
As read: 5.21.24
